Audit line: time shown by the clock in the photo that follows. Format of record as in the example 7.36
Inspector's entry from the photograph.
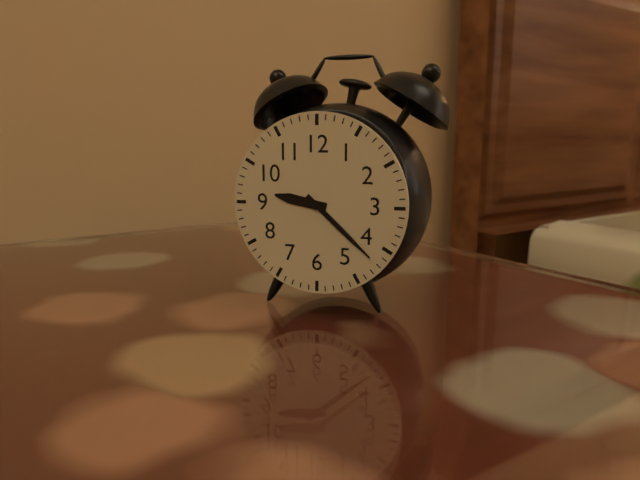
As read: 9.22
